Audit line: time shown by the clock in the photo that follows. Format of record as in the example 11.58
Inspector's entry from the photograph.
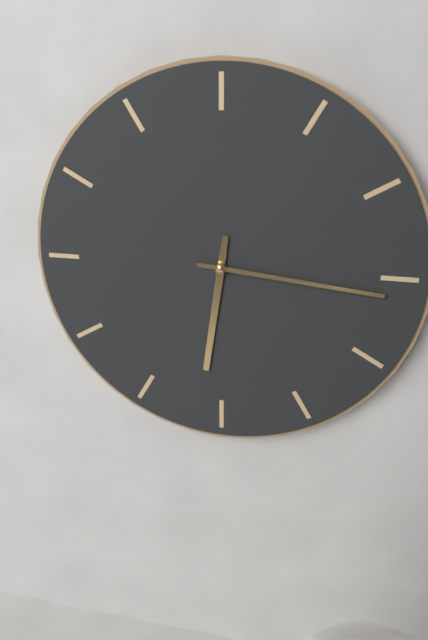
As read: 6.16
